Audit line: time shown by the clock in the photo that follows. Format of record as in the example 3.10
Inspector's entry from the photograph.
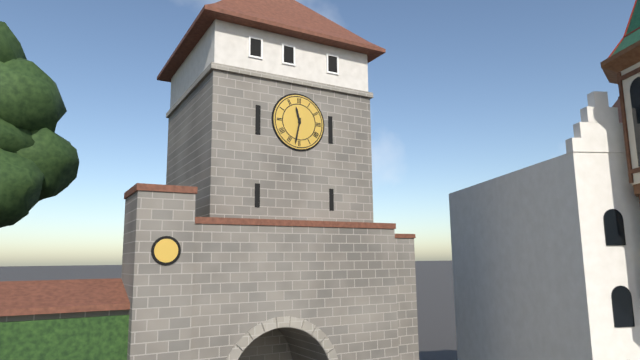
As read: 11.32
